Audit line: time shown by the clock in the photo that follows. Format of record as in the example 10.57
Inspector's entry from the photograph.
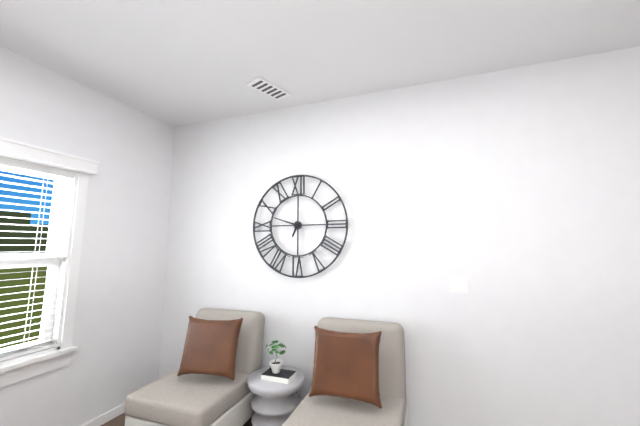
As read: 6.48
